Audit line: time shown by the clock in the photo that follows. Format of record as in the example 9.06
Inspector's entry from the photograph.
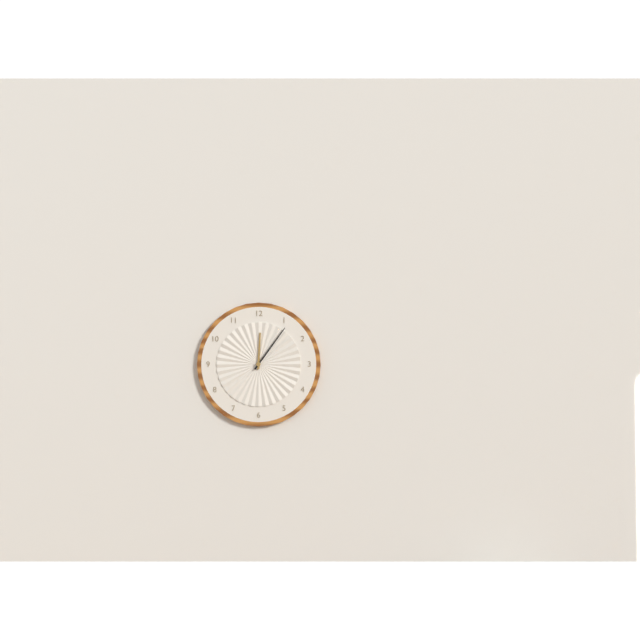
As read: 12.06
